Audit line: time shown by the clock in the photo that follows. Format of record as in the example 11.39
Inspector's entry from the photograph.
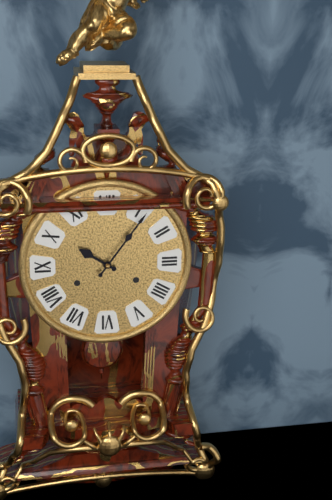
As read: 10.06
